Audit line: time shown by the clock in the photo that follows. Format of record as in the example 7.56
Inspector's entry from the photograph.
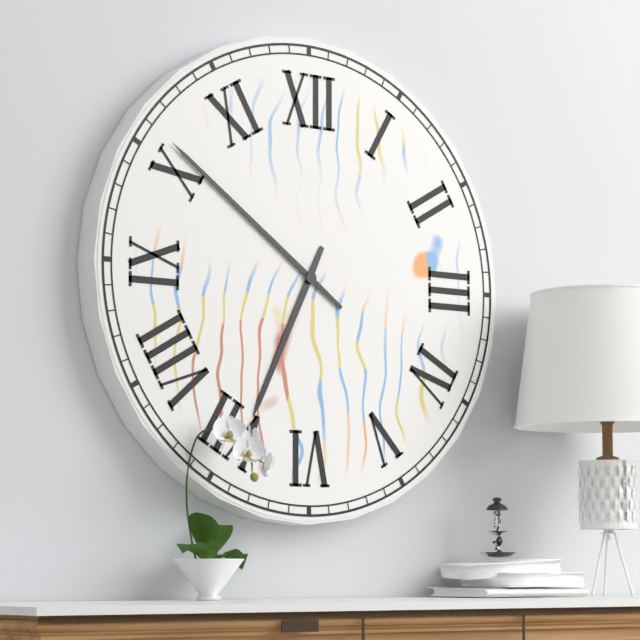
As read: 6.51
